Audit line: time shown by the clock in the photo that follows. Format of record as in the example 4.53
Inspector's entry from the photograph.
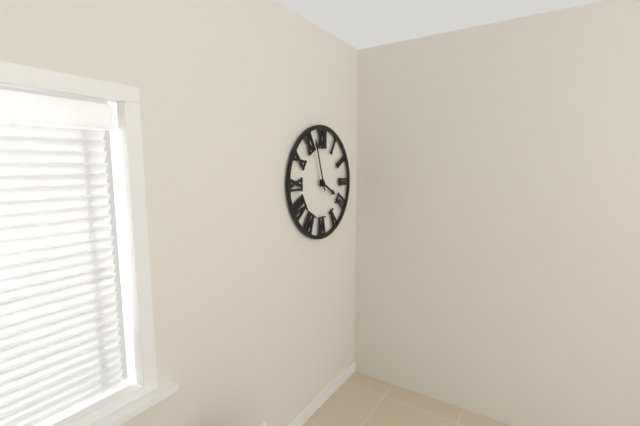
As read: 3.57
